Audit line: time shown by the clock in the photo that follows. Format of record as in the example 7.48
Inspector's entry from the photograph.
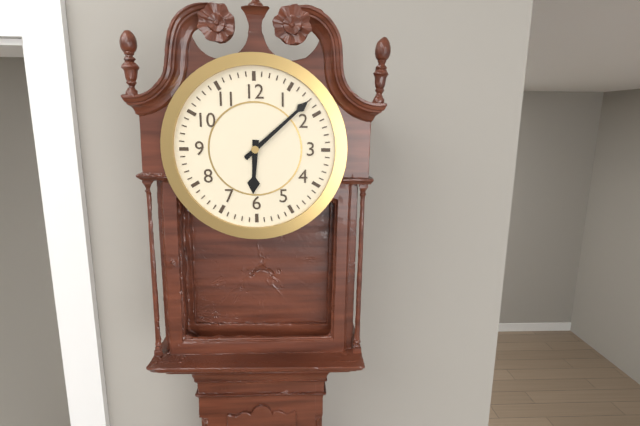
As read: 6.08
